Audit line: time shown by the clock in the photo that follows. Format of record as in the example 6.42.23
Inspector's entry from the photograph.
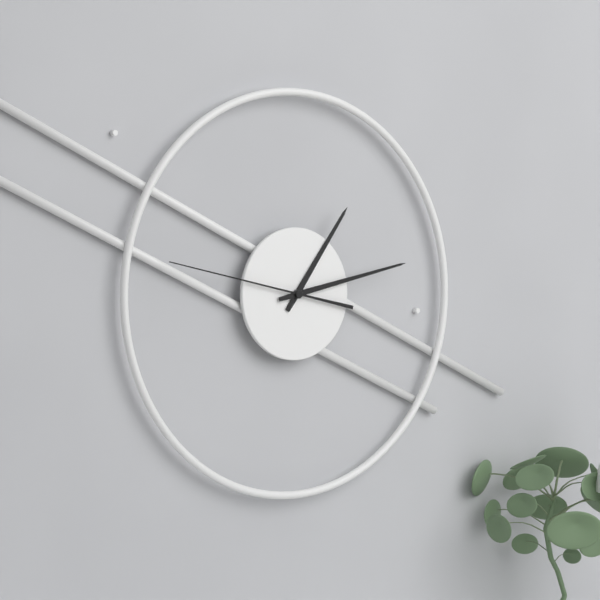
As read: 1.13.47
